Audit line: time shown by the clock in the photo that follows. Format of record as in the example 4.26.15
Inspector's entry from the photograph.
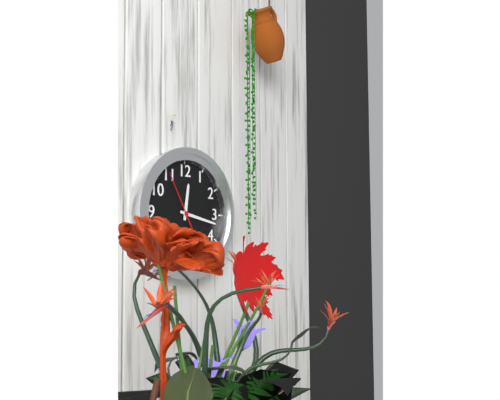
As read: 12.17.55
